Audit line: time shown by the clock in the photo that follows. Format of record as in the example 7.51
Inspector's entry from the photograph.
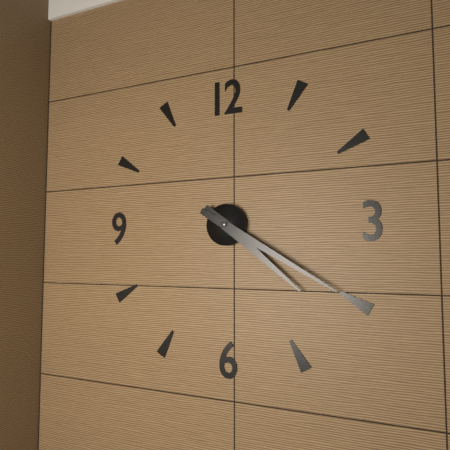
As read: 4.20
